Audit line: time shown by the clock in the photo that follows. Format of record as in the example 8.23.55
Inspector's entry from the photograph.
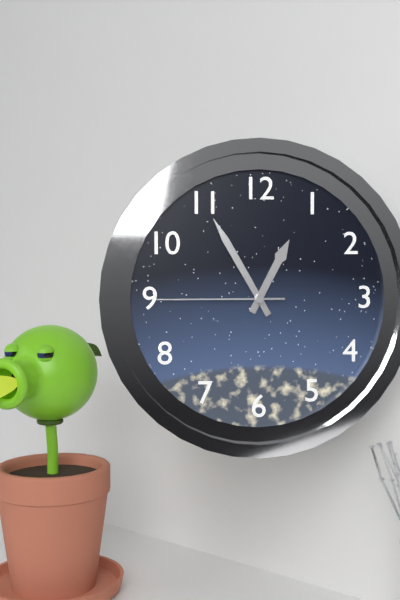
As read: 12.55.45
